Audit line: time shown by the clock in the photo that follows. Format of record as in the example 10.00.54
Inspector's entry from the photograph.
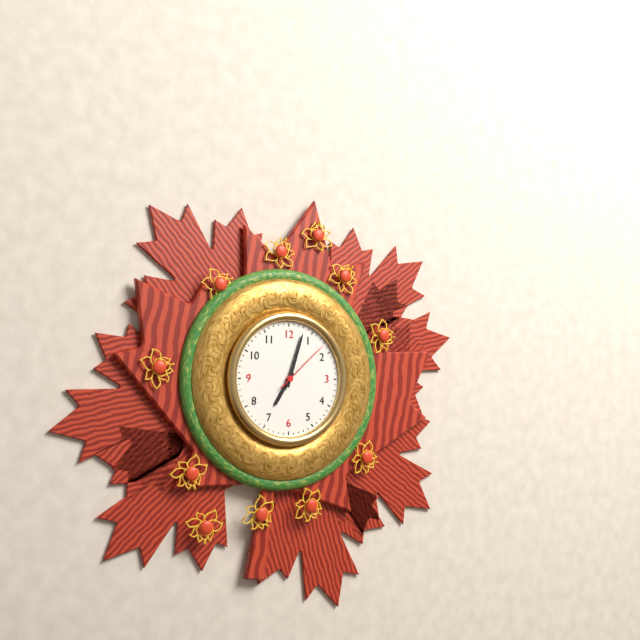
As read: 7.03.08
